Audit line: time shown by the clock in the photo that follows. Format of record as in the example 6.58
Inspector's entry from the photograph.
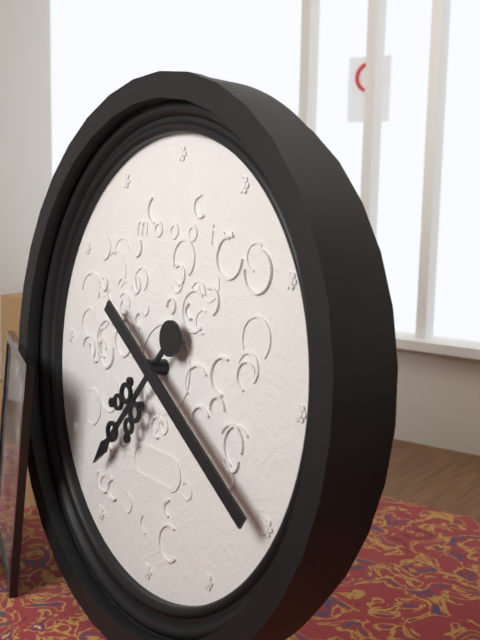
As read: 7.20
